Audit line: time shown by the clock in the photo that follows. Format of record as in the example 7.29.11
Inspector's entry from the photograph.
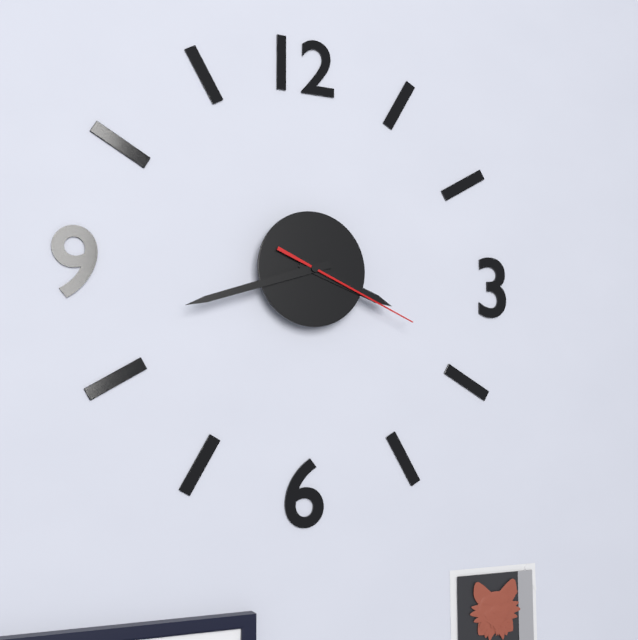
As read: 3.42.19
